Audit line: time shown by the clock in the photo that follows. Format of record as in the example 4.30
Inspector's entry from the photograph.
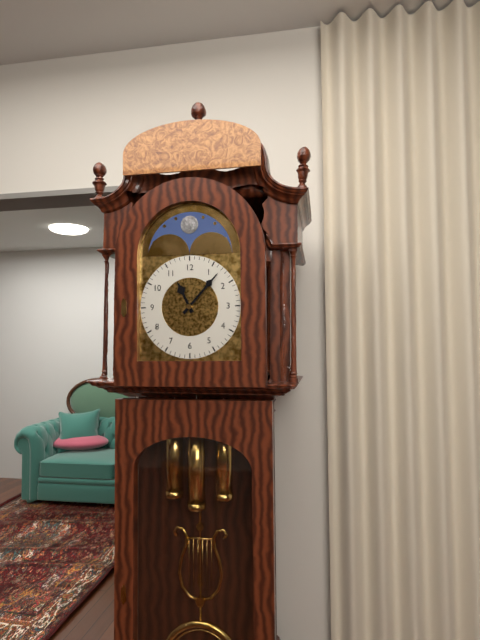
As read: 11.07
